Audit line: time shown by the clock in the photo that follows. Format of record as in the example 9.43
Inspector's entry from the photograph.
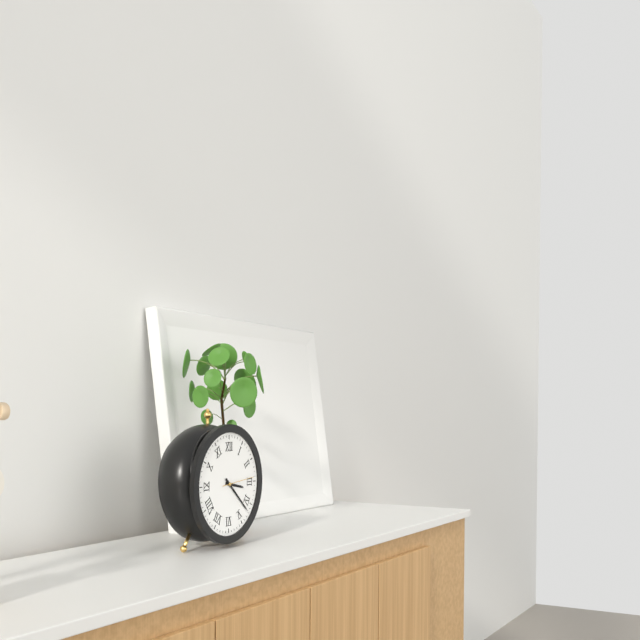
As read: 3.22
